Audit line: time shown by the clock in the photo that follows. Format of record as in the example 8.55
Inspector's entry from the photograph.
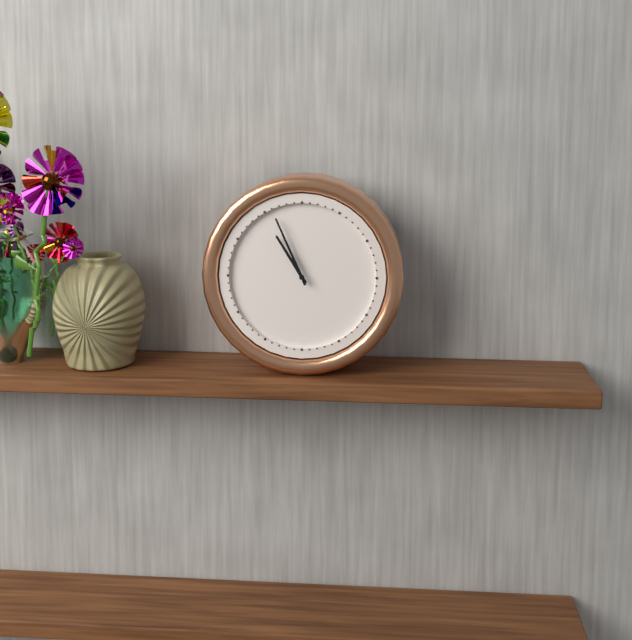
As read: 10.56
